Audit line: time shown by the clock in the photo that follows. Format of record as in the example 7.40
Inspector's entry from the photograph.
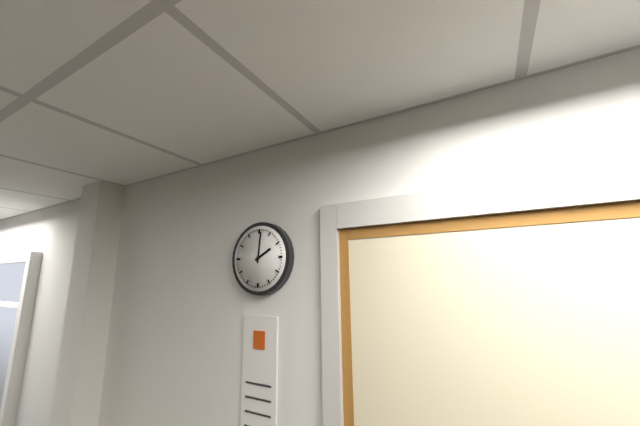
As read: 2.01
